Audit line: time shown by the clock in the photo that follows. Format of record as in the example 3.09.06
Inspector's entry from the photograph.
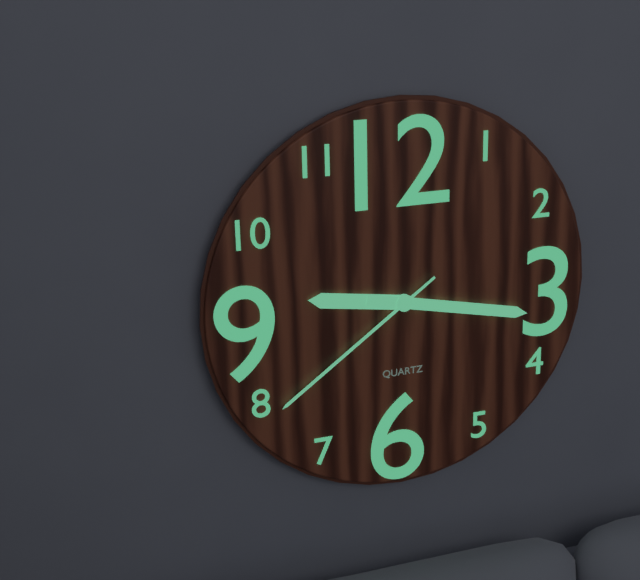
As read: 9.17.39
